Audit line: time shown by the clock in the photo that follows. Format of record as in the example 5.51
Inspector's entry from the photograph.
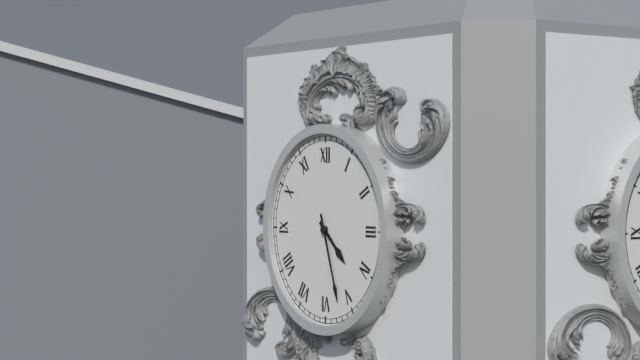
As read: 4.27
